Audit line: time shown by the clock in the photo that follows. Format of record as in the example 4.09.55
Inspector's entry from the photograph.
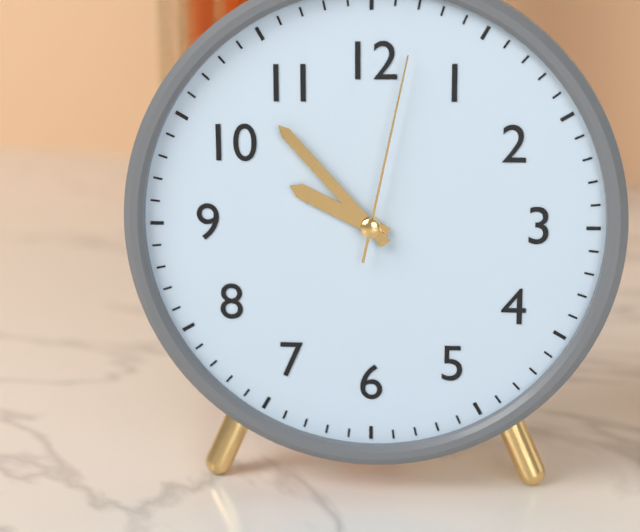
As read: 9.53.02
